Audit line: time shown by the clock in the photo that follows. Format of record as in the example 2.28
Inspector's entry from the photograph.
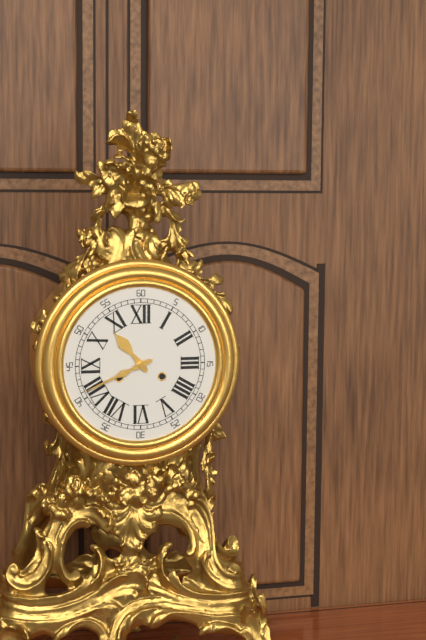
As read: 10.41
